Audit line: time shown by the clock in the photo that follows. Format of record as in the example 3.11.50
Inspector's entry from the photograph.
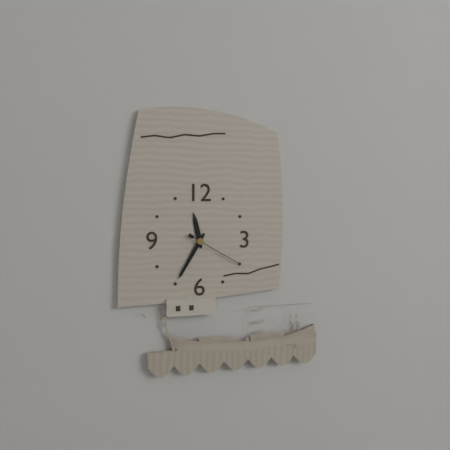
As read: 11.35.20
